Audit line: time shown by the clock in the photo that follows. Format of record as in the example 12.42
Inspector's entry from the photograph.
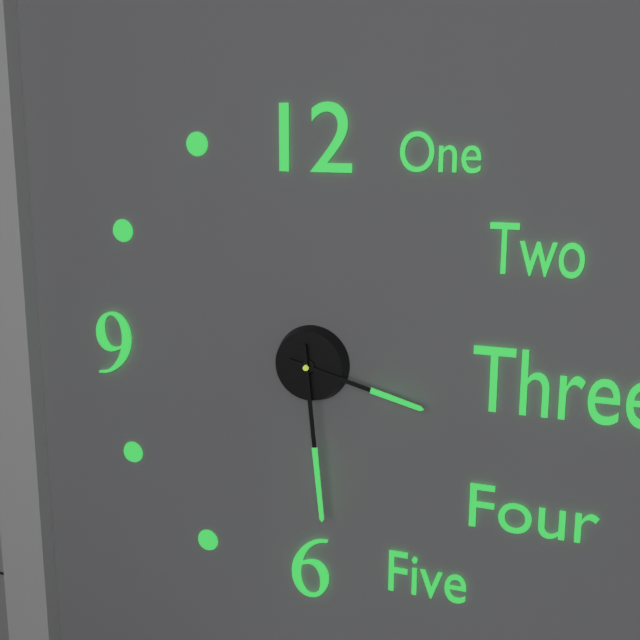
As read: 3.29
